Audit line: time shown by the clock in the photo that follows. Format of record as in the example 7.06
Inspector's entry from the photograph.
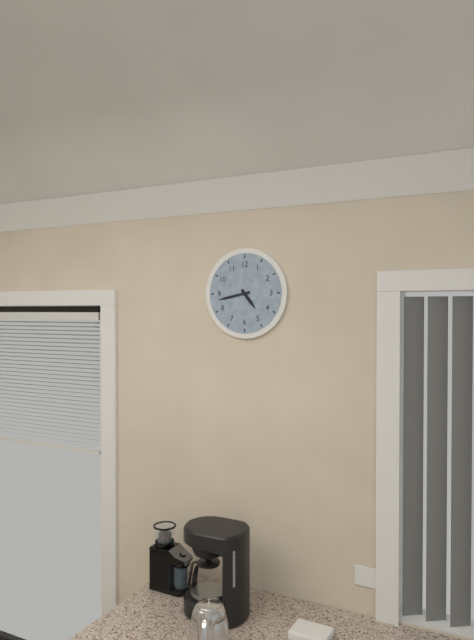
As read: 4.43
